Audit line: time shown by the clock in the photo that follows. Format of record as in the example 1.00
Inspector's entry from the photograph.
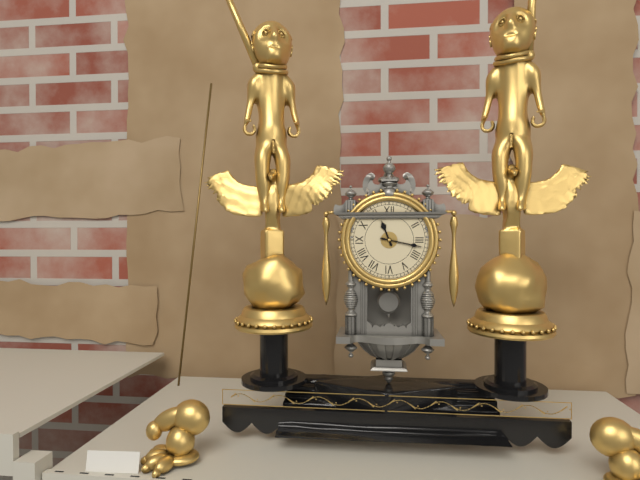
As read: 11.17
